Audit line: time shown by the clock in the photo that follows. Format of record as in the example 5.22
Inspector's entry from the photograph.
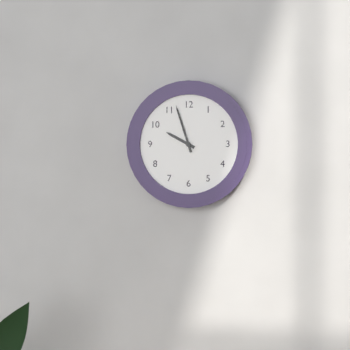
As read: 9.57
